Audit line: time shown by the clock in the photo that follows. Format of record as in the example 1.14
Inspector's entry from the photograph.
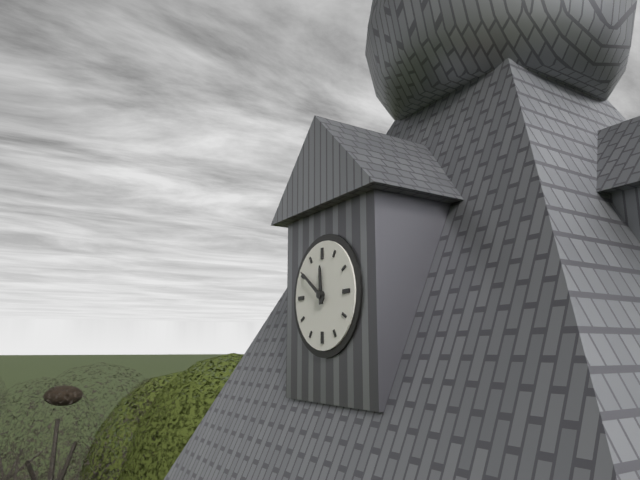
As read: 11.51
